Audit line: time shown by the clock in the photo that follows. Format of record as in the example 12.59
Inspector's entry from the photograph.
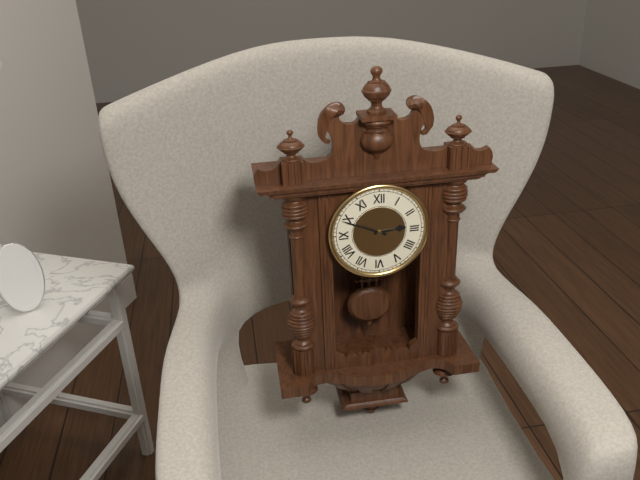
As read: 2.49
